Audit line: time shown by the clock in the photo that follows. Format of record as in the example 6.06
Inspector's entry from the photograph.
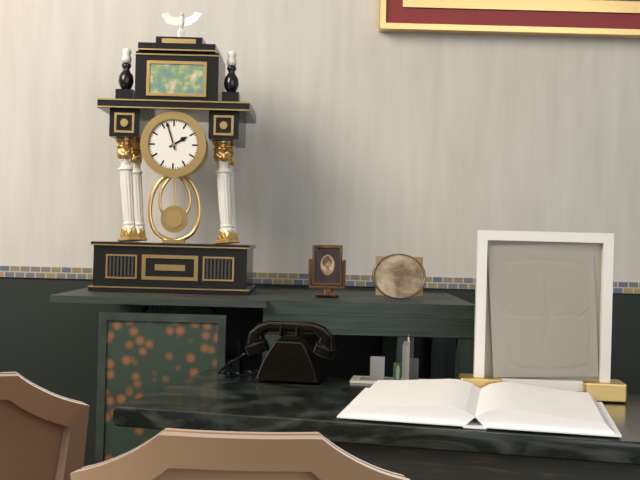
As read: 1.57
